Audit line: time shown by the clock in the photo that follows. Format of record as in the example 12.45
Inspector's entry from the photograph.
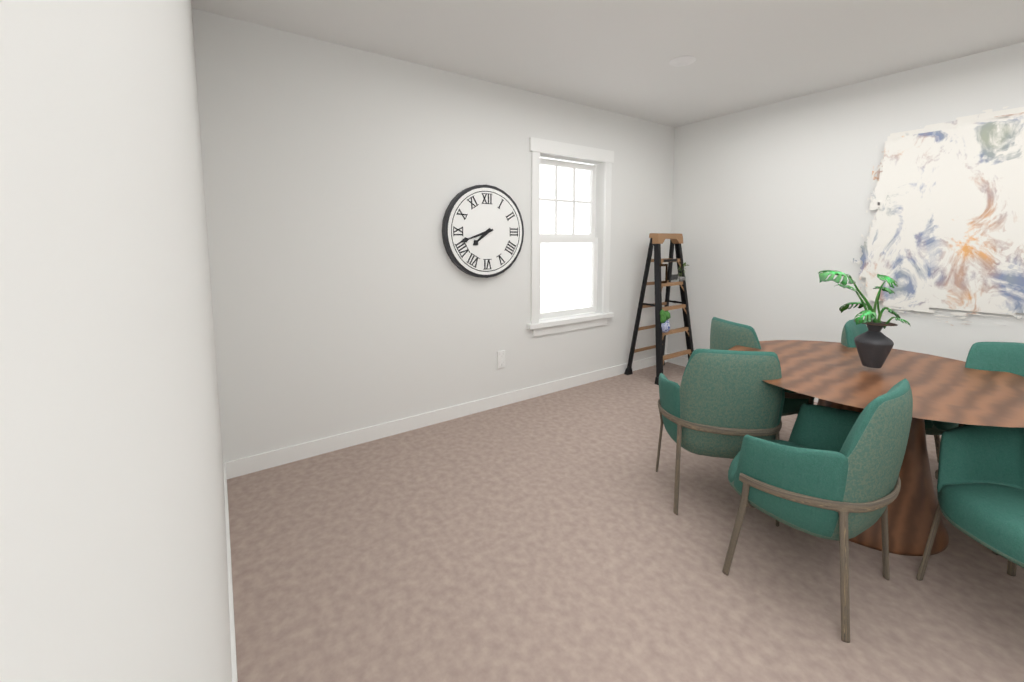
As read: 7.42
